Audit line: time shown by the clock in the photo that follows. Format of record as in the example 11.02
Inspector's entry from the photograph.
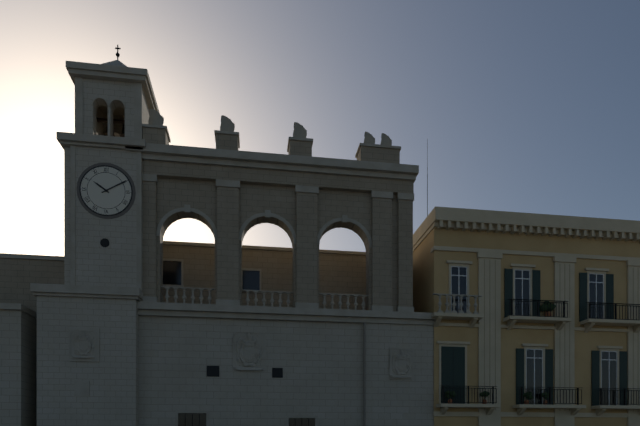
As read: 10.10
